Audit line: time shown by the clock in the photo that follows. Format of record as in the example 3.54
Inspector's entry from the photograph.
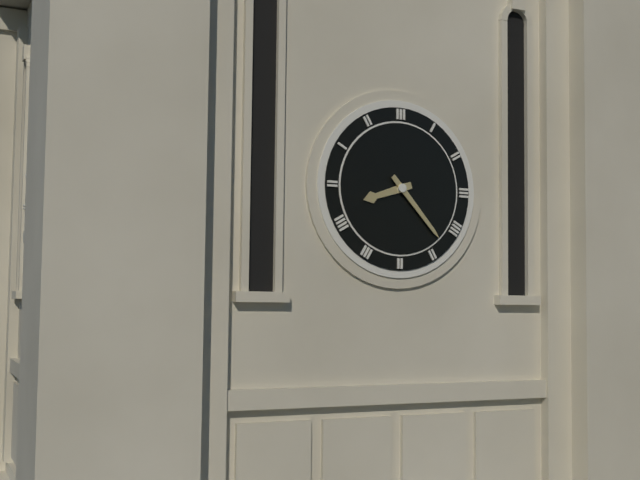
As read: 8.23
